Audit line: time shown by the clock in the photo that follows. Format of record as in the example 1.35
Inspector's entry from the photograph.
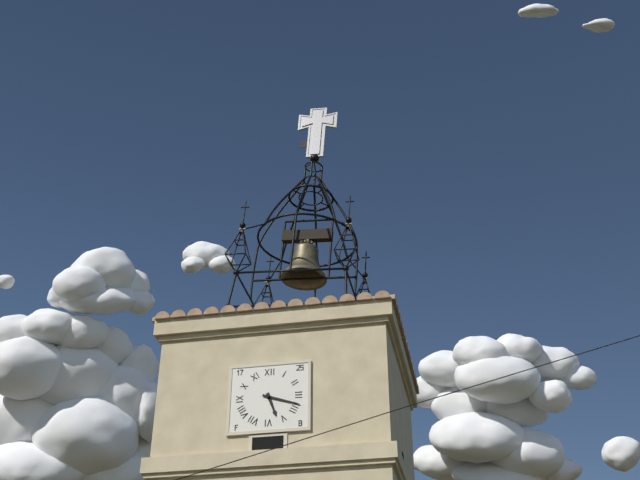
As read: 5.18
